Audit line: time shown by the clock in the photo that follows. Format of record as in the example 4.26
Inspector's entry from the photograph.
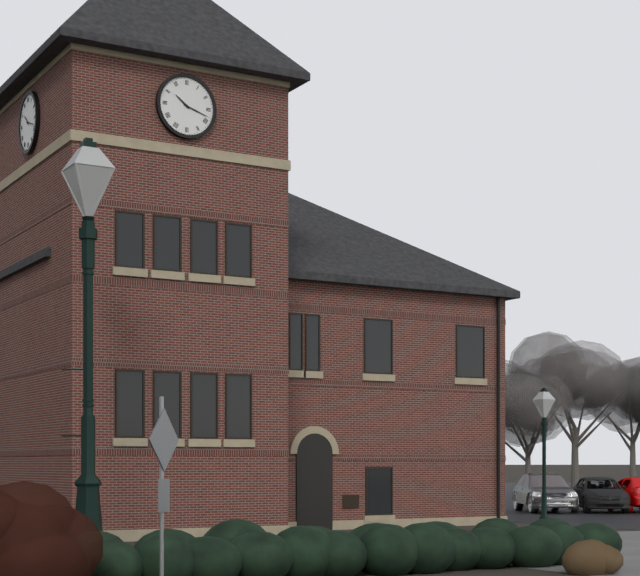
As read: 10.18
